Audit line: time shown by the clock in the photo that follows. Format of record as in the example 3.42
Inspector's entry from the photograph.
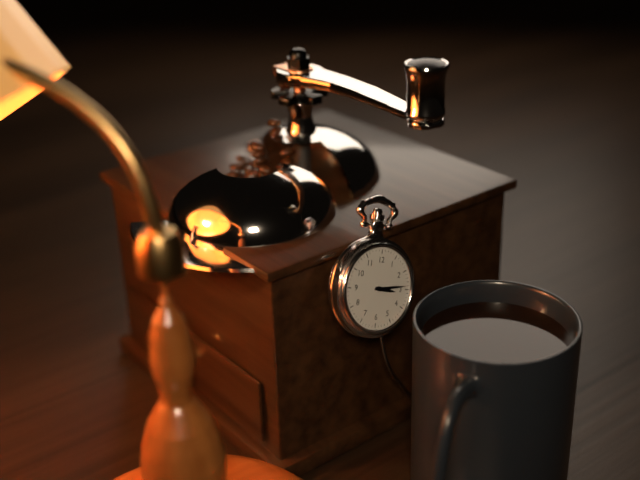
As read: 3.14
